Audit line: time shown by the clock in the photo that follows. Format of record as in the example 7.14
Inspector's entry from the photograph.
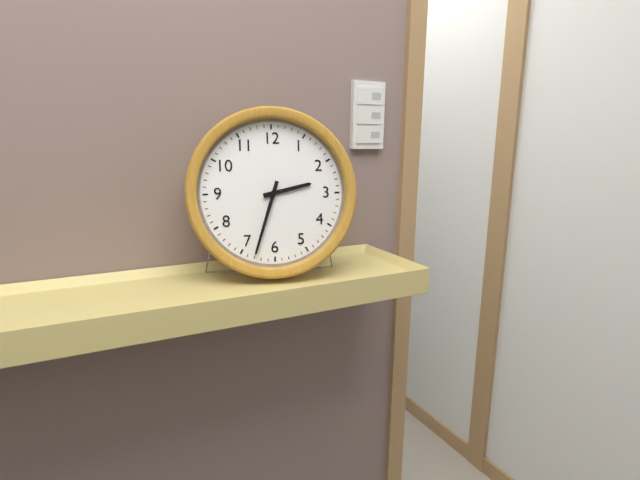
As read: 2.33
